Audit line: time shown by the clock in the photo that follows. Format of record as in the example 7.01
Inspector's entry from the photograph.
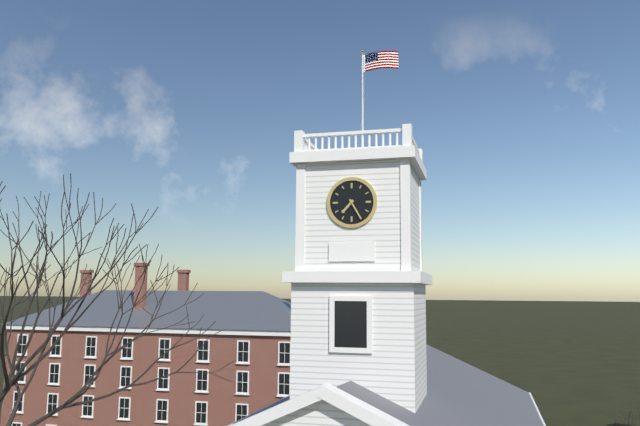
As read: 7.25
